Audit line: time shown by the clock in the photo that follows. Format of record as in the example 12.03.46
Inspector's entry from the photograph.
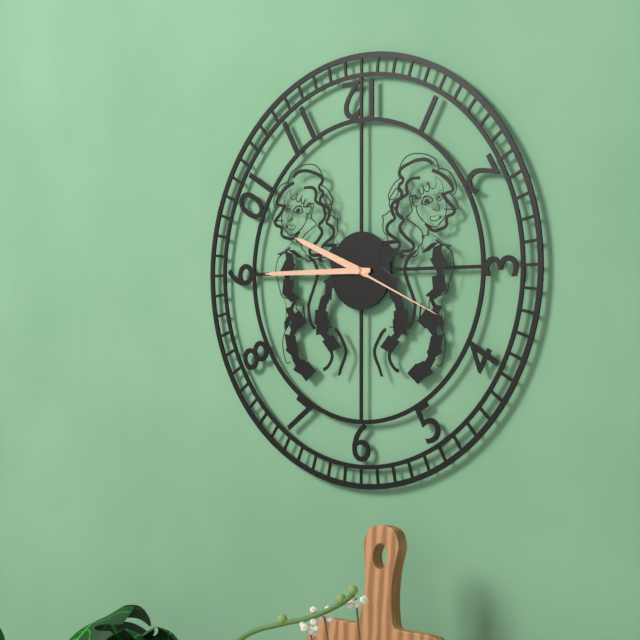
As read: 9.45.19
